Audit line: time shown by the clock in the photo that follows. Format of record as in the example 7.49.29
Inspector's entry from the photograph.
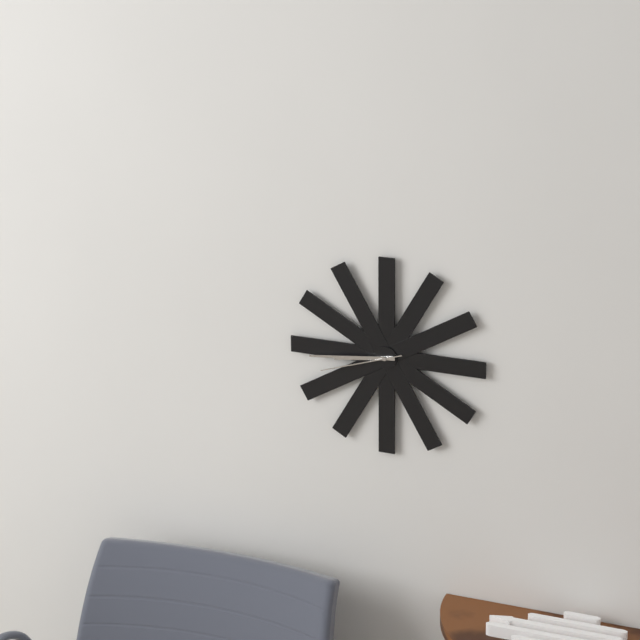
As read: 8.44.42
